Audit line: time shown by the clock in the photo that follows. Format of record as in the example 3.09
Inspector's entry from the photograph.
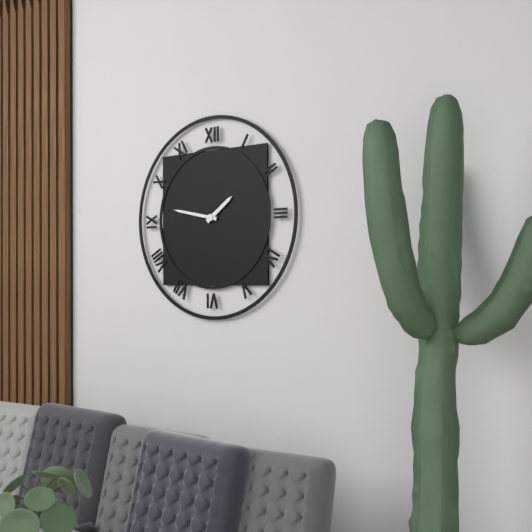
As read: 1.47
